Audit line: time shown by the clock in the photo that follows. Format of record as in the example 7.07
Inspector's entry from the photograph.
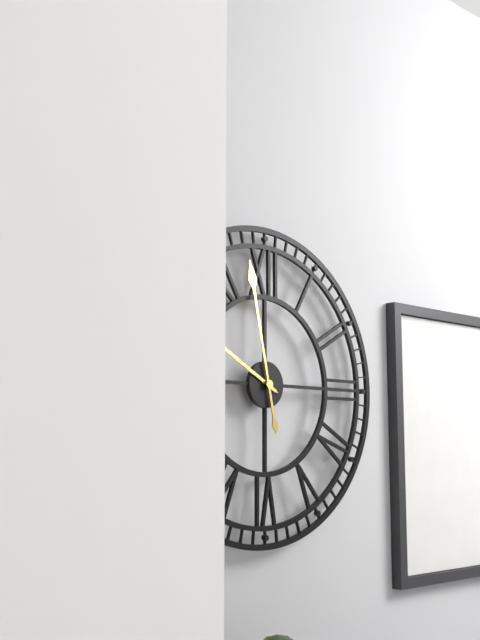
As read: 9.58
